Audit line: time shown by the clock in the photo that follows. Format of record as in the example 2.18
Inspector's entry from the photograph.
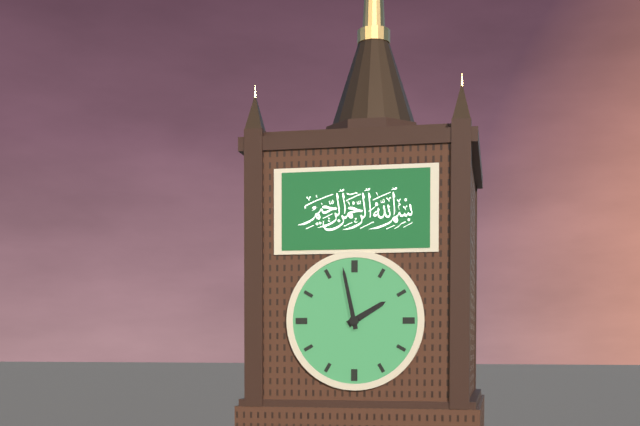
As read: 1.58
